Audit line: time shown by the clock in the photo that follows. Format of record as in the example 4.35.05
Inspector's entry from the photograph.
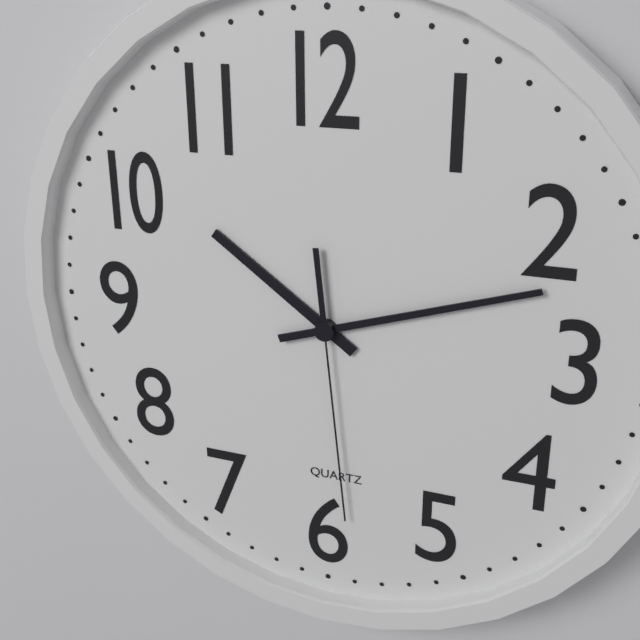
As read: 10.12.29
